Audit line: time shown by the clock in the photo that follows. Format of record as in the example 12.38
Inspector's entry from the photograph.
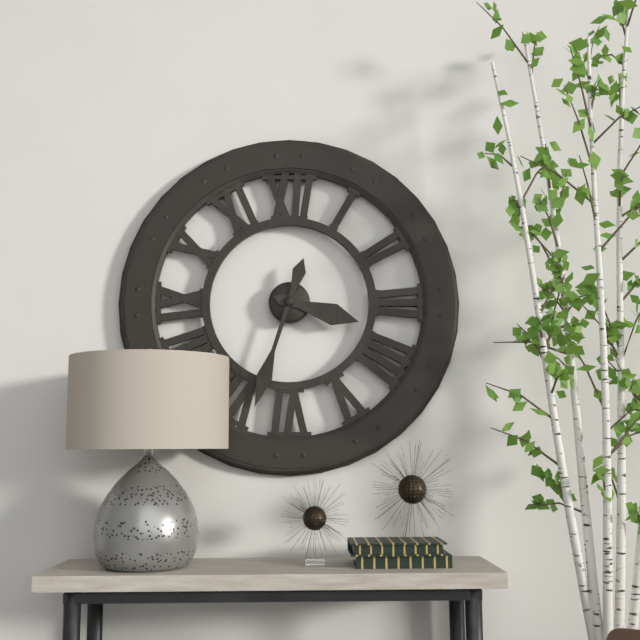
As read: 3.33
